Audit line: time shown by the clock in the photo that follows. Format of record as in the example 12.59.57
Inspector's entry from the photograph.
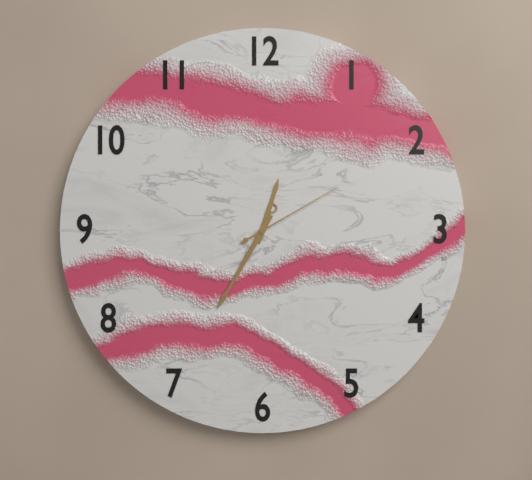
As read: 12.35.10
